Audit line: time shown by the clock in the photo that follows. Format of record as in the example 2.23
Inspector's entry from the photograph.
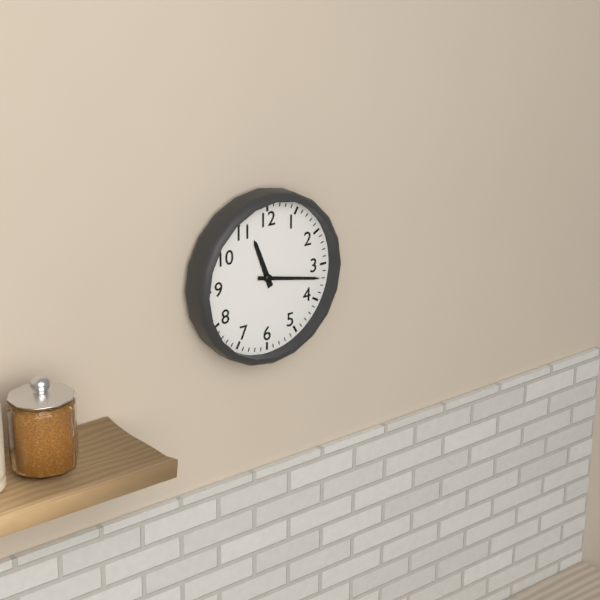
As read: 11.17
